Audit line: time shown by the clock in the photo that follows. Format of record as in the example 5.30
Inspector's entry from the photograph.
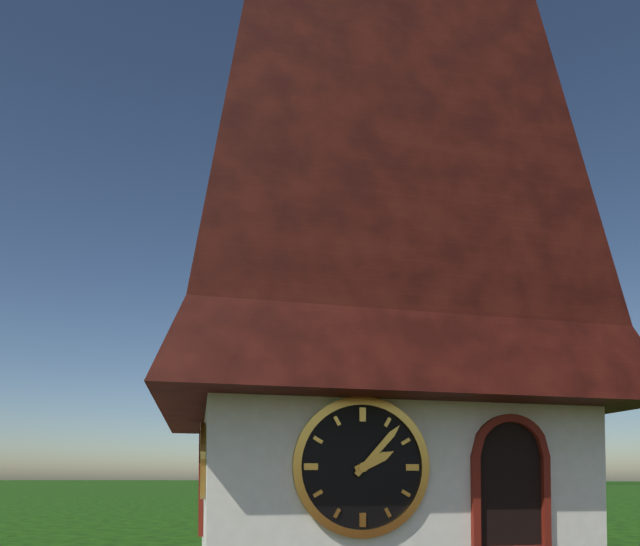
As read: 2.07
